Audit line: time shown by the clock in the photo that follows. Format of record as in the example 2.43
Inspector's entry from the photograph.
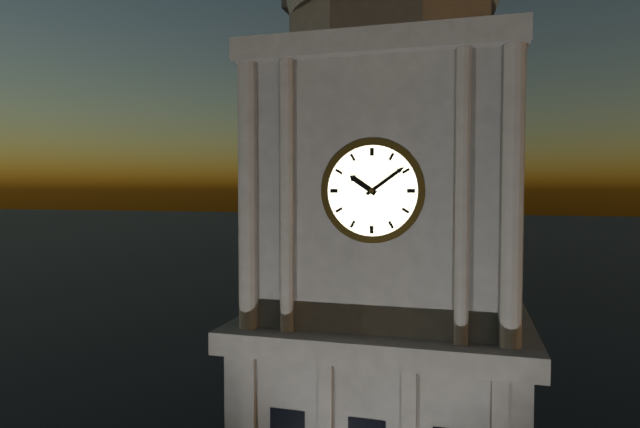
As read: 10.09
